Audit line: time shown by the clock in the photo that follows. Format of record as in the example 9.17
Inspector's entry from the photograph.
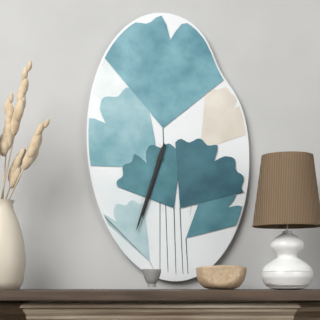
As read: 6.33
